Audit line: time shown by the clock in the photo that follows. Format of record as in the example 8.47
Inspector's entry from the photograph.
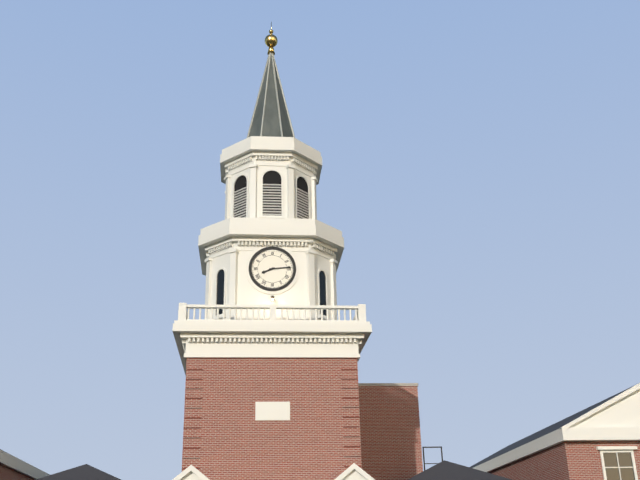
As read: 8.14
